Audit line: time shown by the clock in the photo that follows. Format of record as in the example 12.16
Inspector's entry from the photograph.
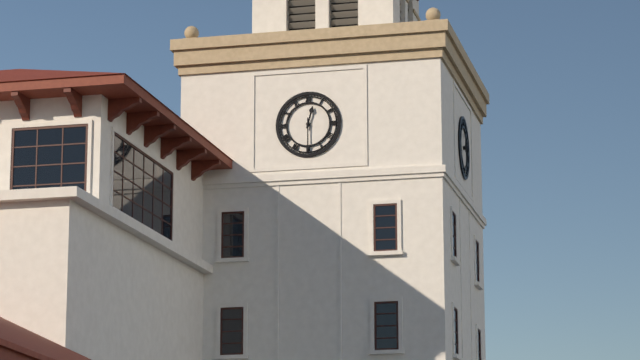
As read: 12.30
